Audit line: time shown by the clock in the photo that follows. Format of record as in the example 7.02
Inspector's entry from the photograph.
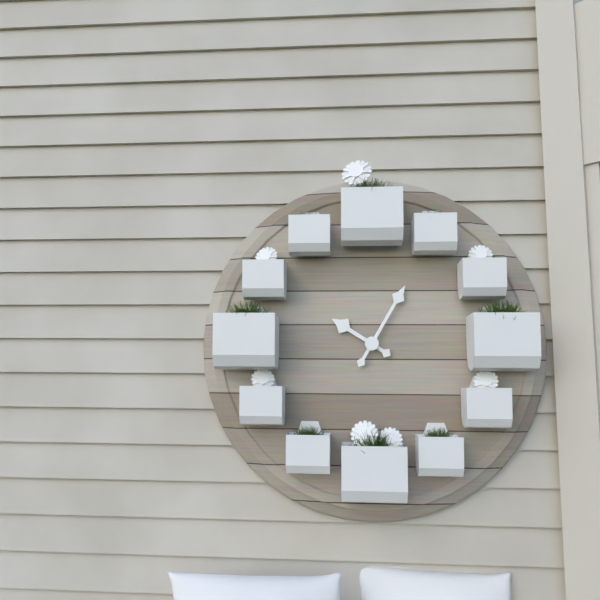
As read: 10.05
